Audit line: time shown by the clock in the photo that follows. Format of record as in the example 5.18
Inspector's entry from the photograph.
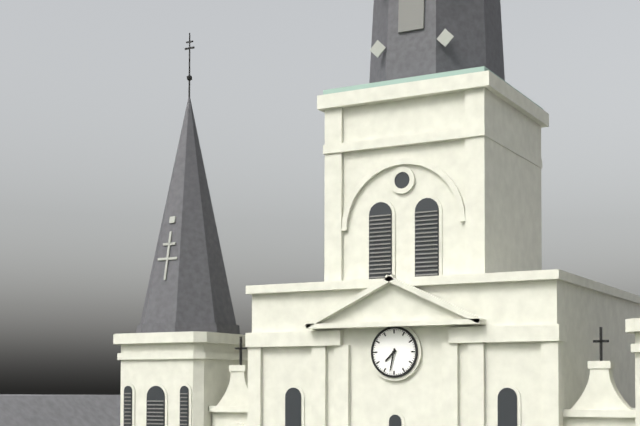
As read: 7.32
